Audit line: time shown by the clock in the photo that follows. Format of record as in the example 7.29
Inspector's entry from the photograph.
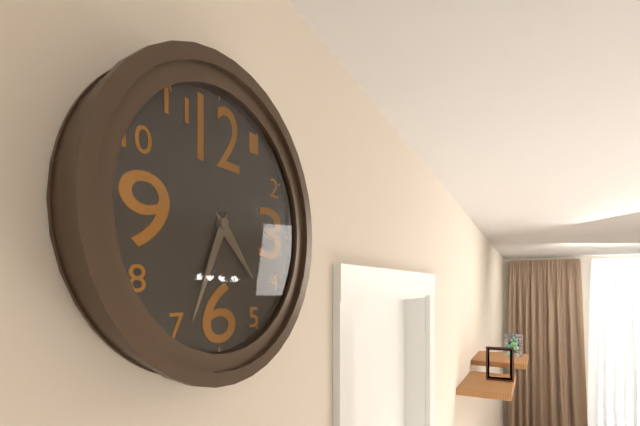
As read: 4.34
